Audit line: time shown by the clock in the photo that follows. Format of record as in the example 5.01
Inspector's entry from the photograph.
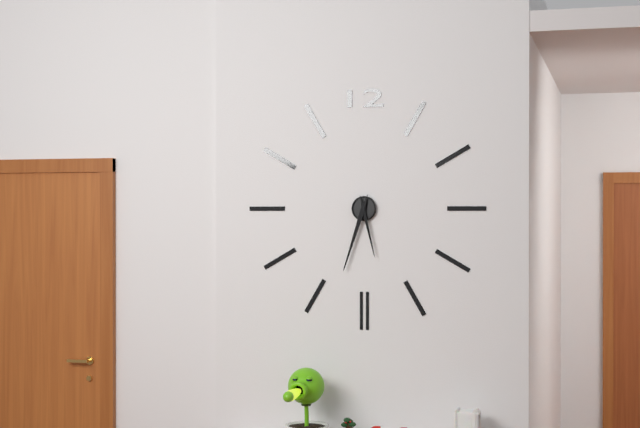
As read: 5.33
